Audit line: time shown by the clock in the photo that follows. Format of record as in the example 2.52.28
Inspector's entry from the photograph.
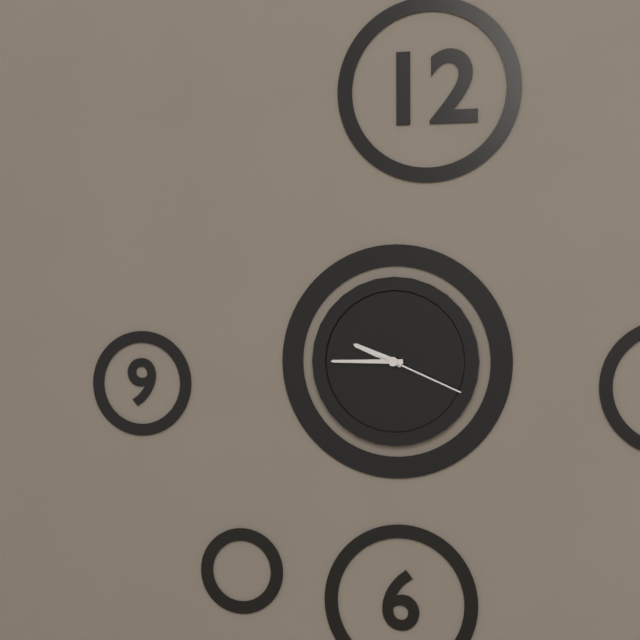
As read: 9.45.19
